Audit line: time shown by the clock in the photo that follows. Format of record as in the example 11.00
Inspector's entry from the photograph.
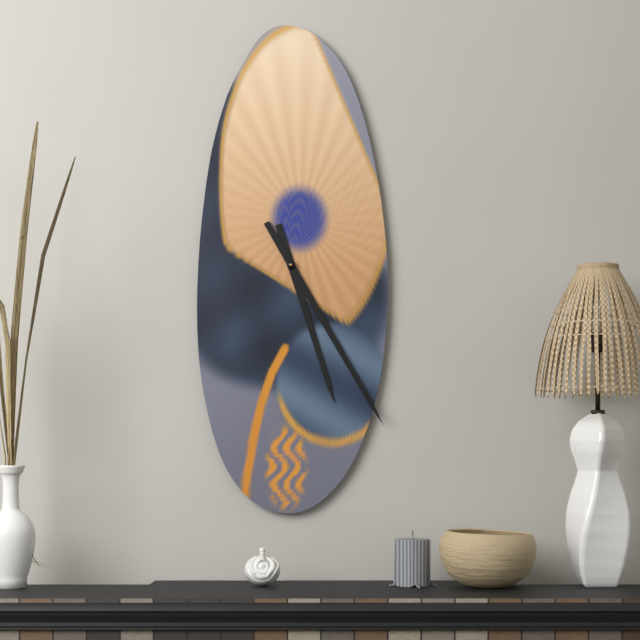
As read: 5.25
